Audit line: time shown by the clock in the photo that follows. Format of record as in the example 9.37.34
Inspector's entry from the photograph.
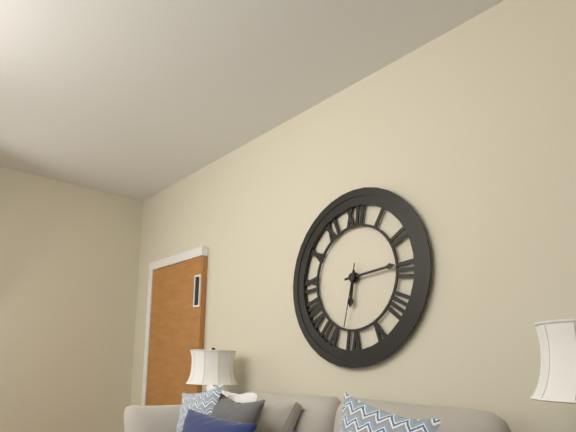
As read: 6.14.32
